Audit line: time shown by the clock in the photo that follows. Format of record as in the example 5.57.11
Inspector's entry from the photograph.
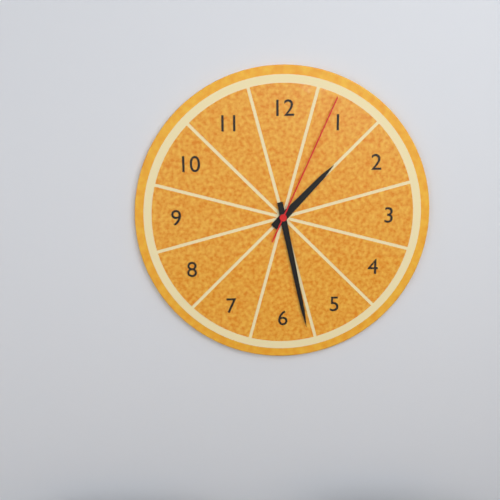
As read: 1.28.04
